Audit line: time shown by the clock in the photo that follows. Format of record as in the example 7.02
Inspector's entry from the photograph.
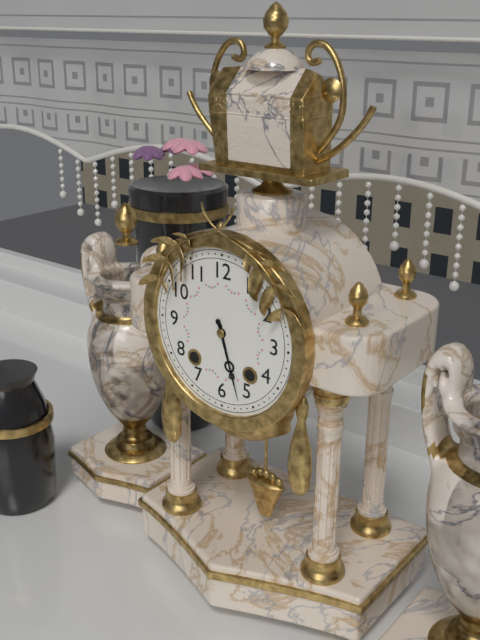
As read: 5.27
